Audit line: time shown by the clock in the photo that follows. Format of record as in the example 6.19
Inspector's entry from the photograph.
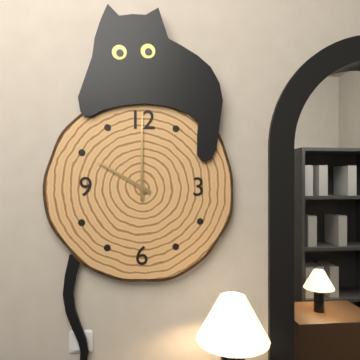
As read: 10.00
